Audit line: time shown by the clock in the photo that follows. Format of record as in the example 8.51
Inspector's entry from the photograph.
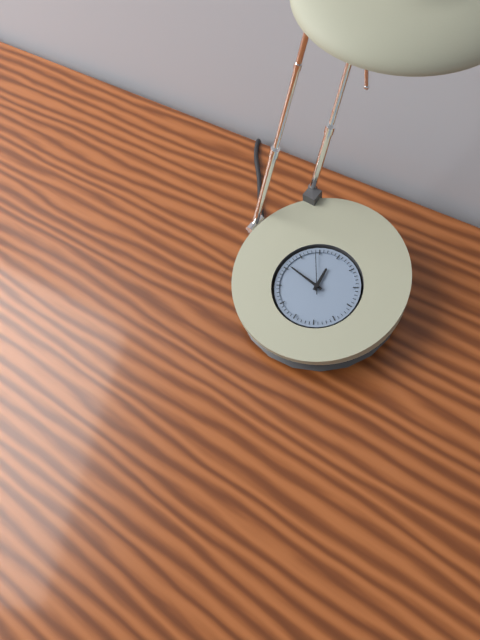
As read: 11.46
